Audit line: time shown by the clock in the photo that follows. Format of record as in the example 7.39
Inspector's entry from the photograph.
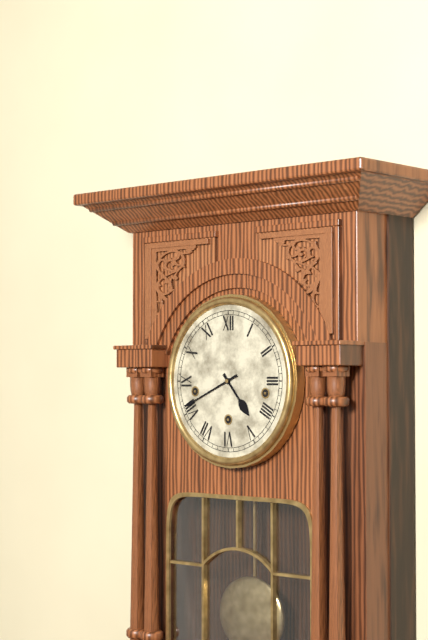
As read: 4.41
